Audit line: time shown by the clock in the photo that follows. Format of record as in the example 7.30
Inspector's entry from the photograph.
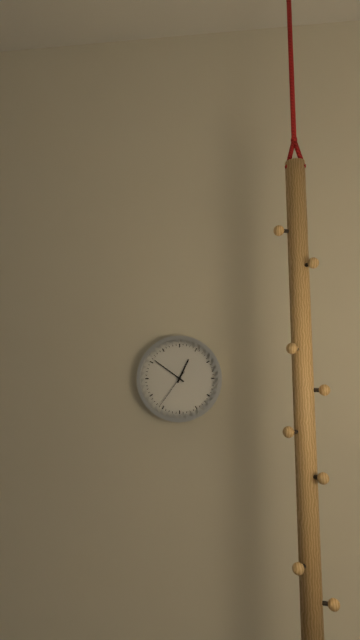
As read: 12.51
